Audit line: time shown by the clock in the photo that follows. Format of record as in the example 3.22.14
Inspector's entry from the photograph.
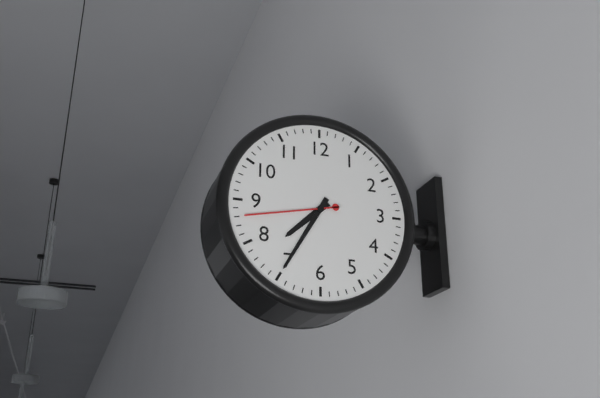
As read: 7.35.43
